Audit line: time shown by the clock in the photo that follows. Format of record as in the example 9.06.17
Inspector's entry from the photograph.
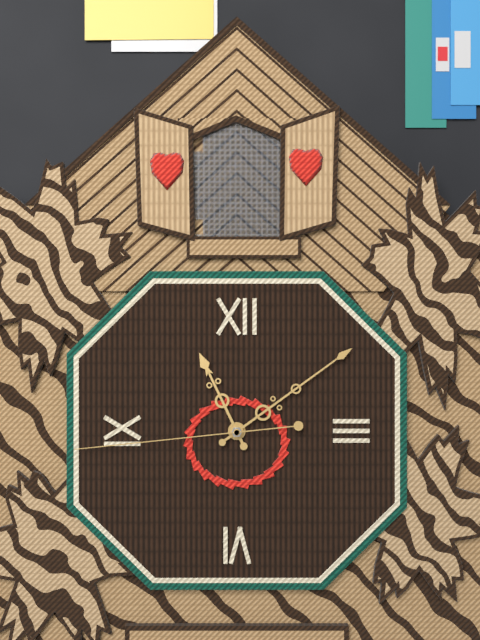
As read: 11.09.44
